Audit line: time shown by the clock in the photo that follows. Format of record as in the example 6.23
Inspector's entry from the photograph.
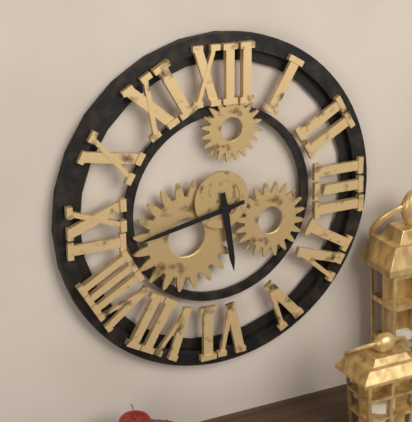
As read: 5.43
